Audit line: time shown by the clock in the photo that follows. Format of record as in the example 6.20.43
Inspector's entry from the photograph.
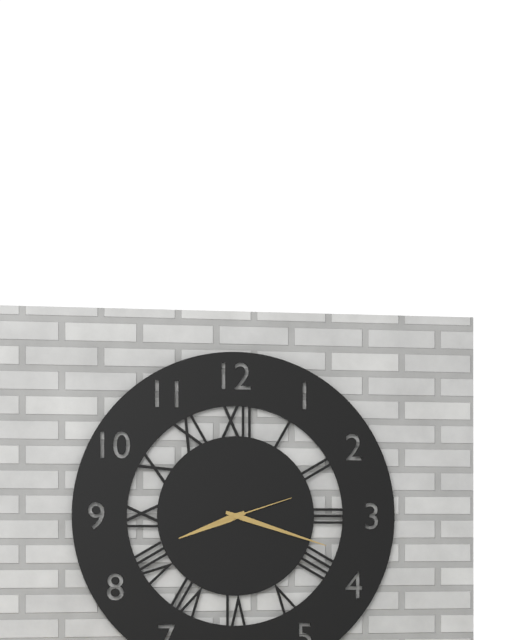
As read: 8.18.12
